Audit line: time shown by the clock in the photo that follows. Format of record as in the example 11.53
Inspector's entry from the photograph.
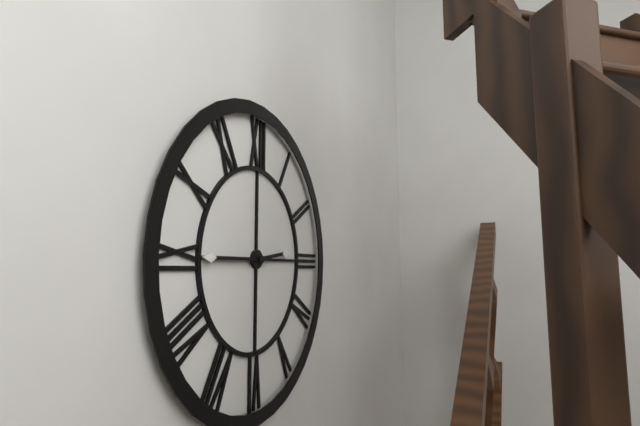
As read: 2.45
